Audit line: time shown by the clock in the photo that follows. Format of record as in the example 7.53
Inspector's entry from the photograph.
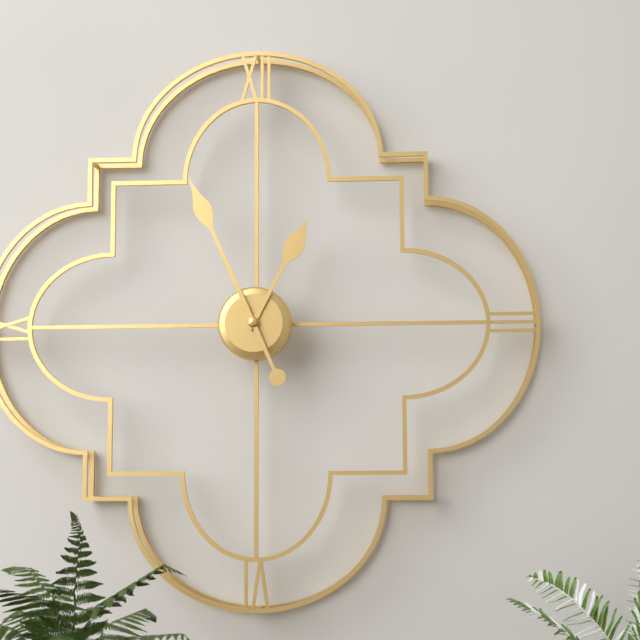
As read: 12.56
